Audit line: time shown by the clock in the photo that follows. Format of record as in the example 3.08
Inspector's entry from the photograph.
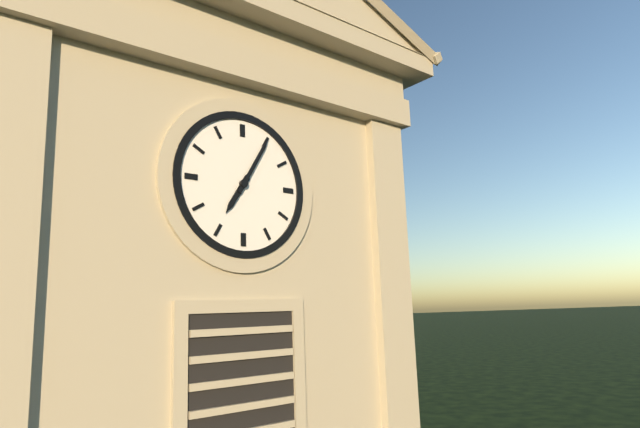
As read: 7.05
